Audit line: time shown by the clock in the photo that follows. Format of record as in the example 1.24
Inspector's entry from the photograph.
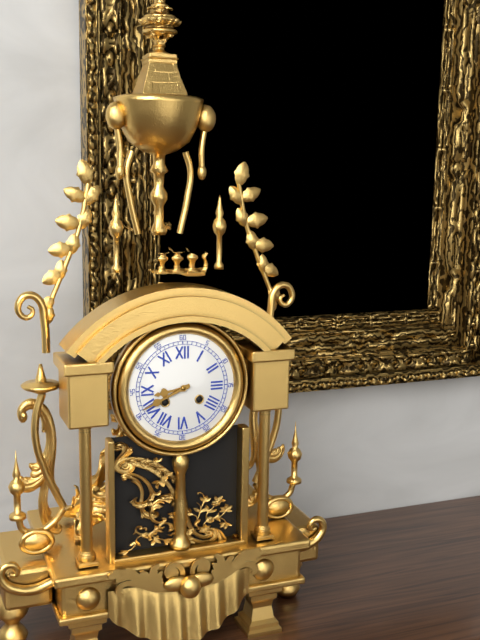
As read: 8.41
